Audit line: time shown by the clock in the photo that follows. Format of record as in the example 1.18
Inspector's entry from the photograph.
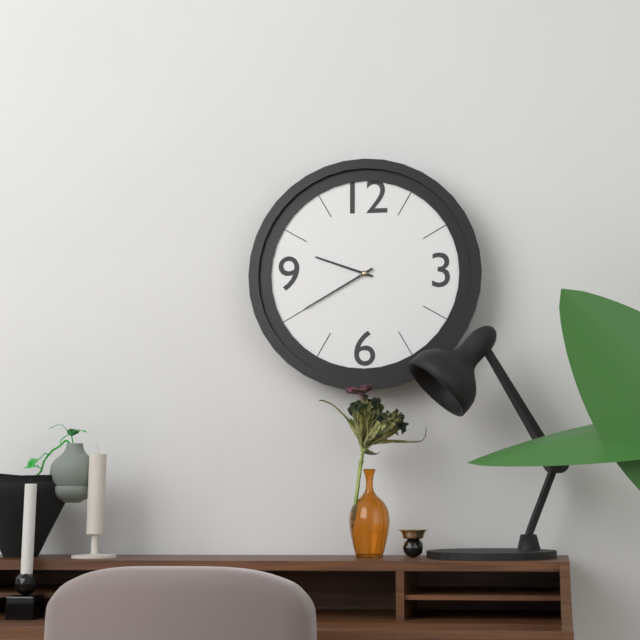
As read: 9.40
